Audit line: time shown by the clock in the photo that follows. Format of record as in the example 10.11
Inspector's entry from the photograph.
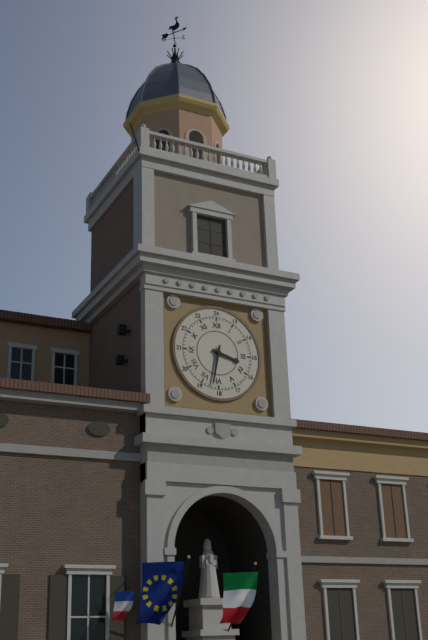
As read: 3.32
